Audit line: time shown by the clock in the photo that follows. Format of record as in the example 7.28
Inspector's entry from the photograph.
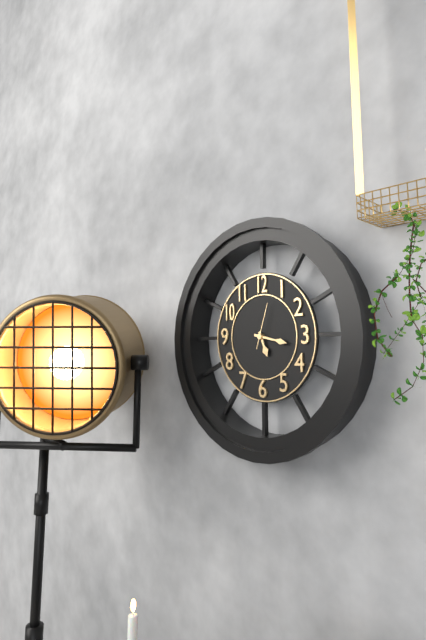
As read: 5.17
